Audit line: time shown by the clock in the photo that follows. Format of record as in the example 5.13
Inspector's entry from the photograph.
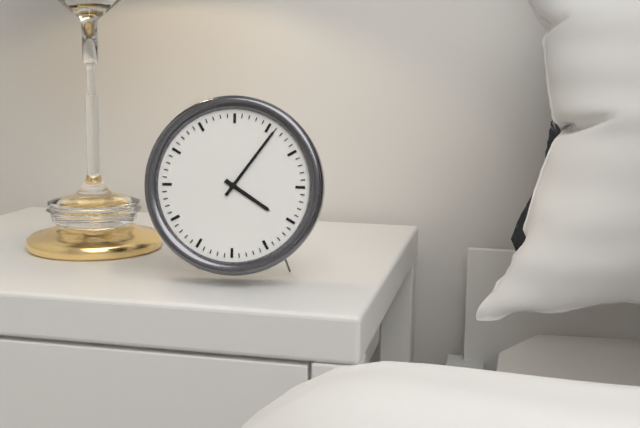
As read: 4.06
